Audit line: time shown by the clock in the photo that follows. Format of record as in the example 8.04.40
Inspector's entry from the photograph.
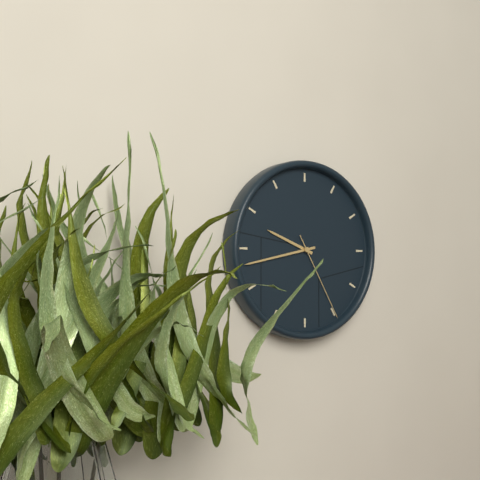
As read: 9.43.25
